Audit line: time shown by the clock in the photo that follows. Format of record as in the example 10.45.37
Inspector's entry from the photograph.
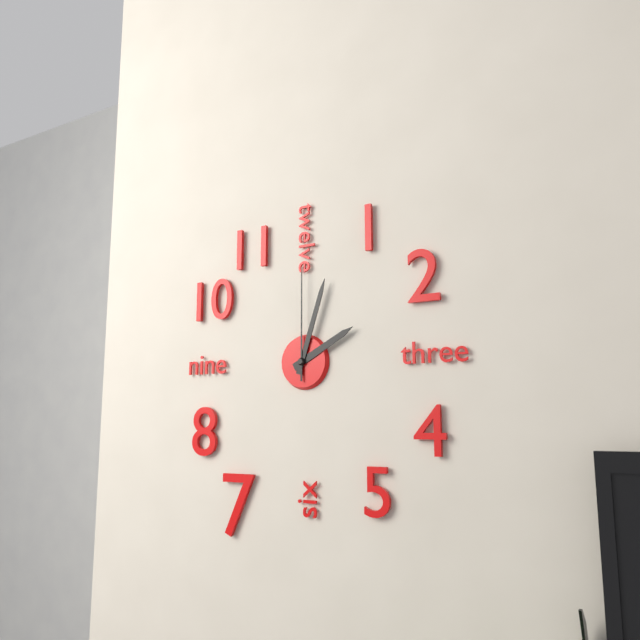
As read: 2.03.00
